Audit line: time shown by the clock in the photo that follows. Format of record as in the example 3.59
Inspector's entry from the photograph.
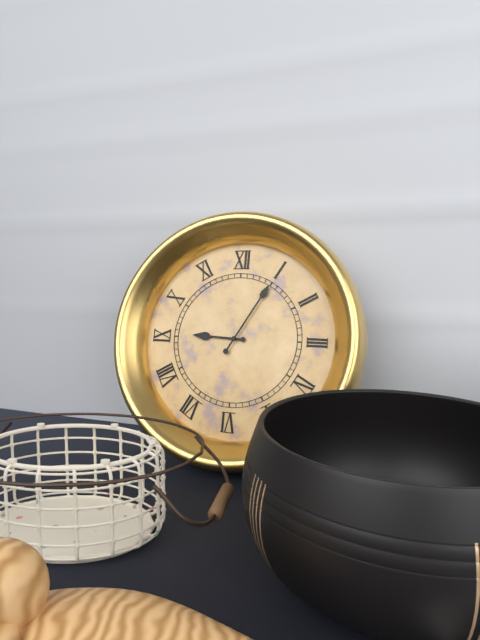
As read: 9.05
